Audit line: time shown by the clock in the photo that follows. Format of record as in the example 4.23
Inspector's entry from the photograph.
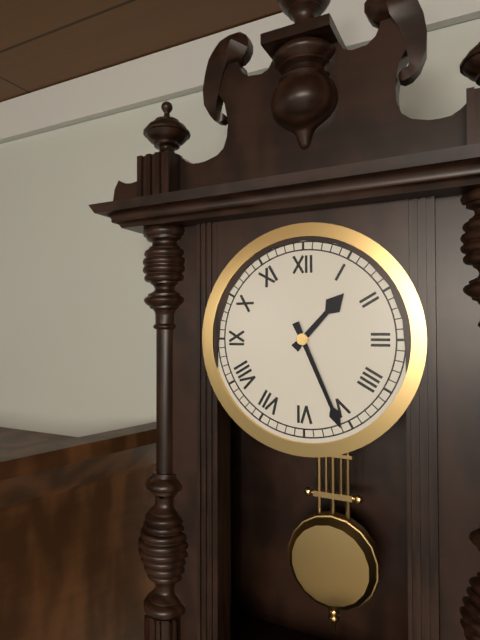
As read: 1.26
